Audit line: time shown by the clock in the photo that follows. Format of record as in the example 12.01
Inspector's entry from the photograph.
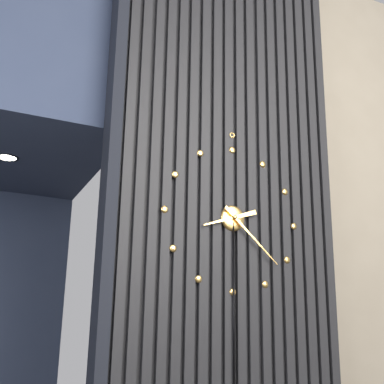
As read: 8.22
